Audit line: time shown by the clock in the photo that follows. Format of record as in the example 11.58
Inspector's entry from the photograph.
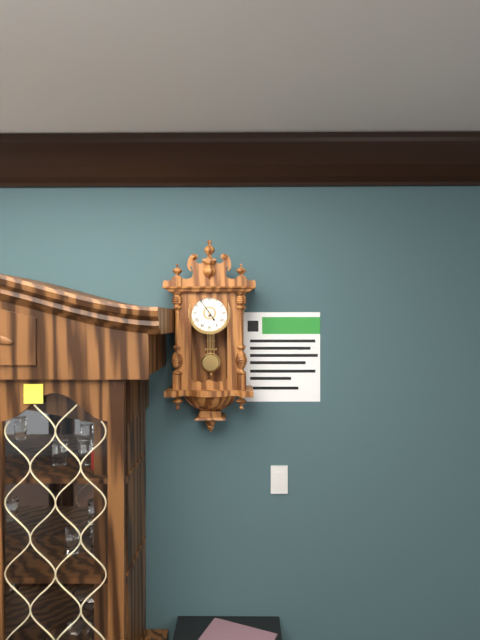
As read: 4.54
